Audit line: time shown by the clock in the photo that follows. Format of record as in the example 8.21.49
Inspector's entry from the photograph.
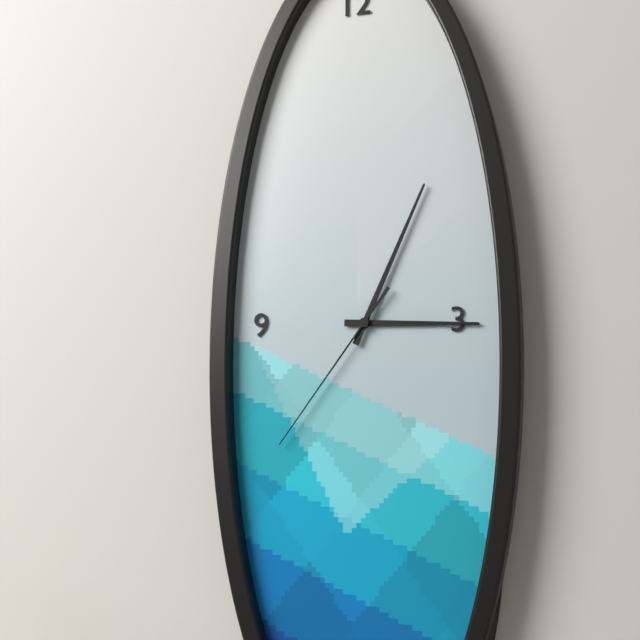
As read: 3.04.36
